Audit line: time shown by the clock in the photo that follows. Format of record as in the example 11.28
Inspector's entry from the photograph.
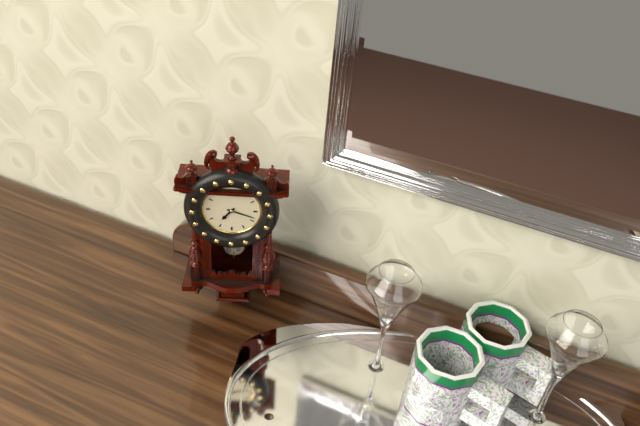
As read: 7.18
